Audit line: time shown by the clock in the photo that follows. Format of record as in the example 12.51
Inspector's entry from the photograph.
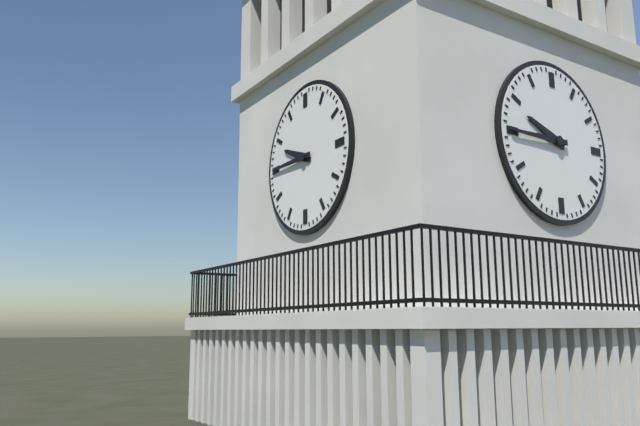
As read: 9.45
